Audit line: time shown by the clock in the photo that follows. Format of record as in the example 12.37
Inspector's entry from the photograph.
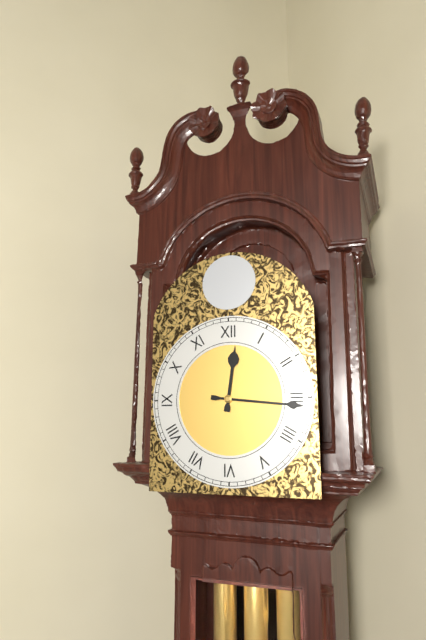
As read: 12.16
